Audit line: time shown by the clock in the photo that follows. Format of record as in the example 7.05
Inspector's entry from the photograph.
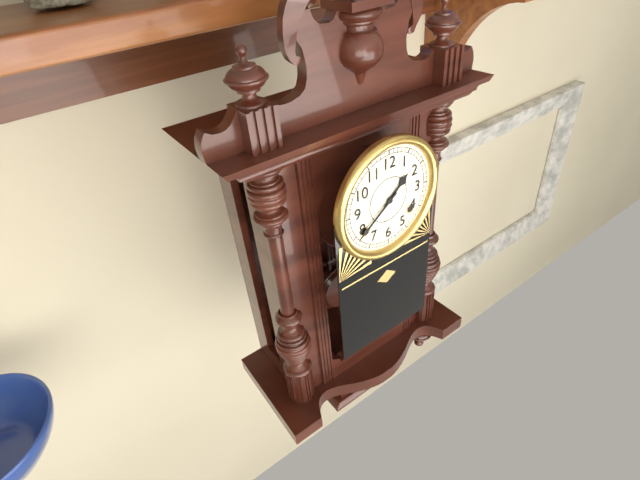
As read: 1.39
